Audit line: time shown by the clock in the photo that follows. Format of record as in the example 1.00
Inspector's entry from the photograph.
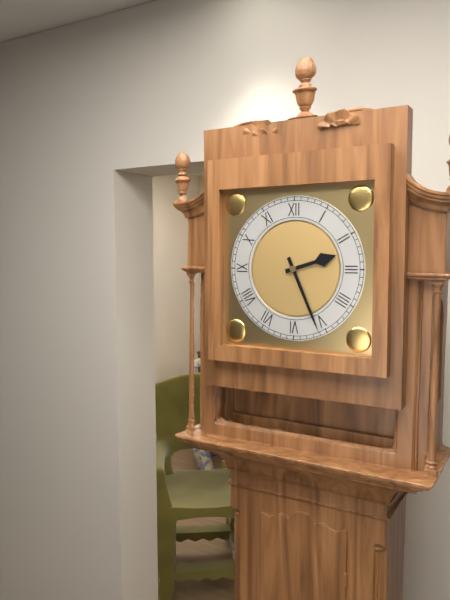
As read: 2.26
